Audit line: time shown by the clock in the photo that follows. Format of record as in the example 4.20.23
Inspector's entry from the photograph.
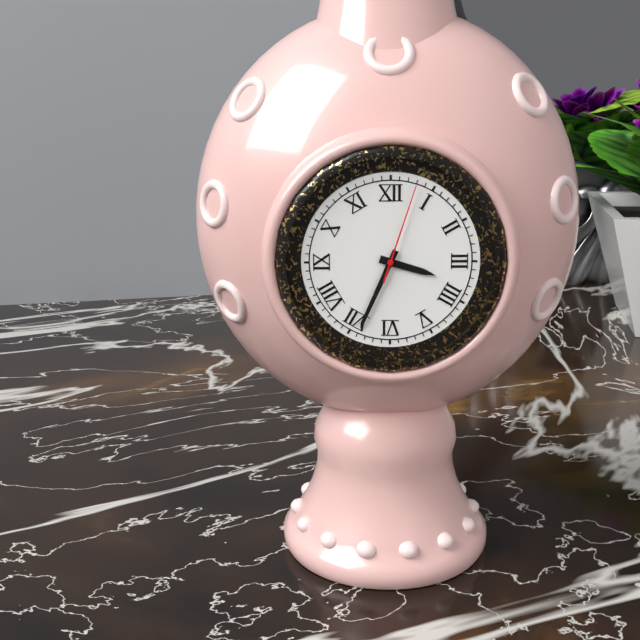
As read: 3.34.03
